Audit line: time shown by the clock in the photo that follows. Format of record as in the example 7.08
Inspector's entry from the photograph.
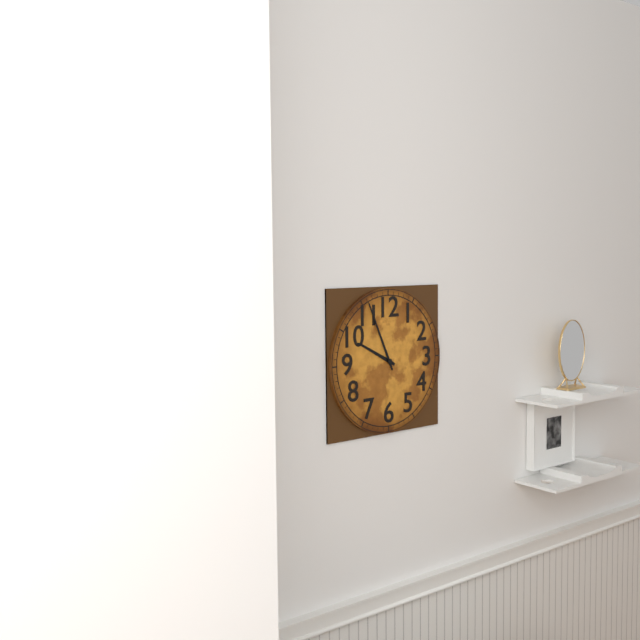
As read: 9.56
